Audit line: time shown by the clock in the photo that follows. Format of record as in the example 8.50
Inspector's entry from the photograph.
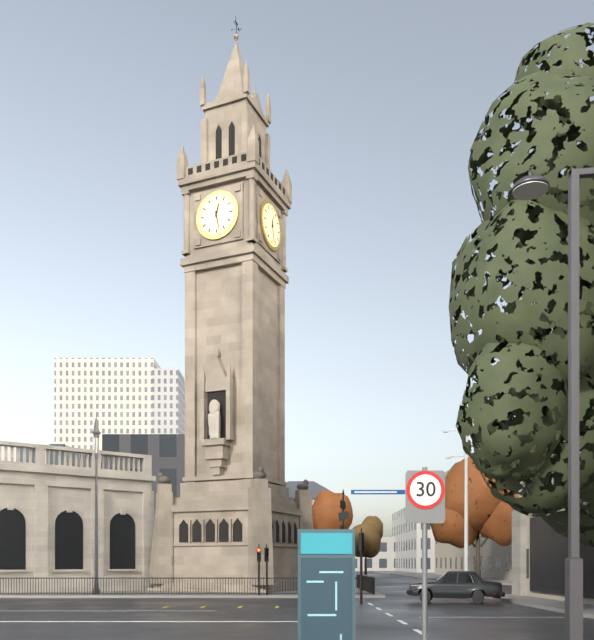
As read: 12.28
